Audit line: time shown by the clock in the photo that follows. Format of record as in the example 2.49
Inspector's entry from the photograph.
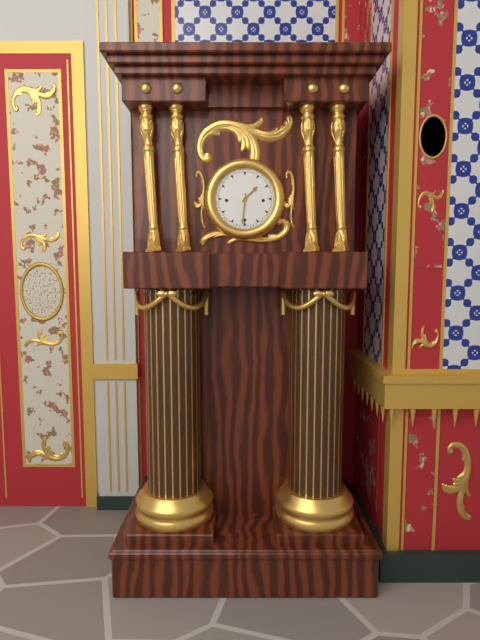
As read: 1.31
